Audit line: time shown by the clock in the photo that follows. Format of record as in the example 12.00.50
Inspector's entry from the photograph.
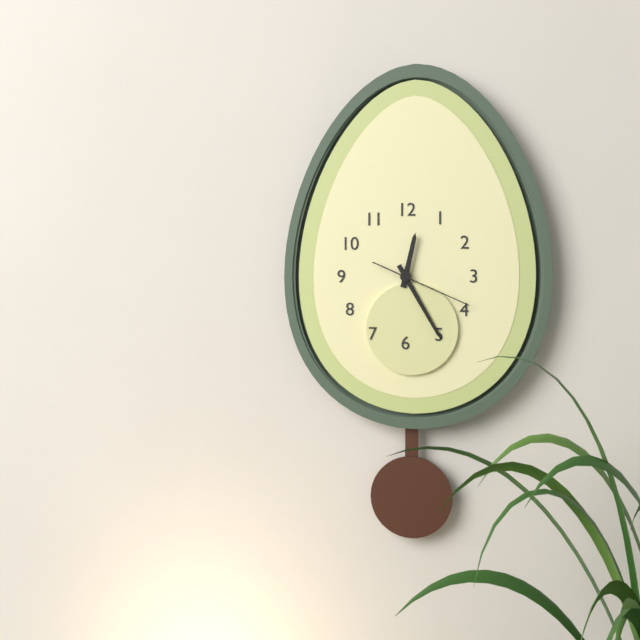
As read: 12.25.19
